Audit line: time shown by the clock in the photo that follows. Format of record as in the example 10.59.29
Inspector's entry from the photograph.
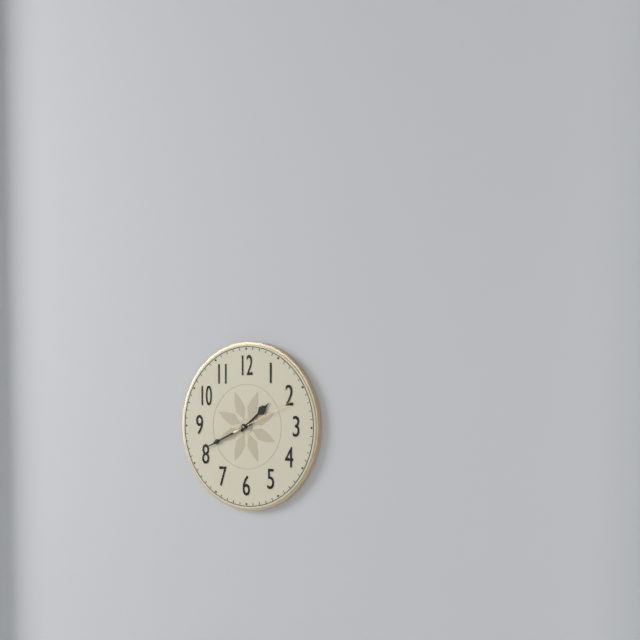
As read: 1.41.11
